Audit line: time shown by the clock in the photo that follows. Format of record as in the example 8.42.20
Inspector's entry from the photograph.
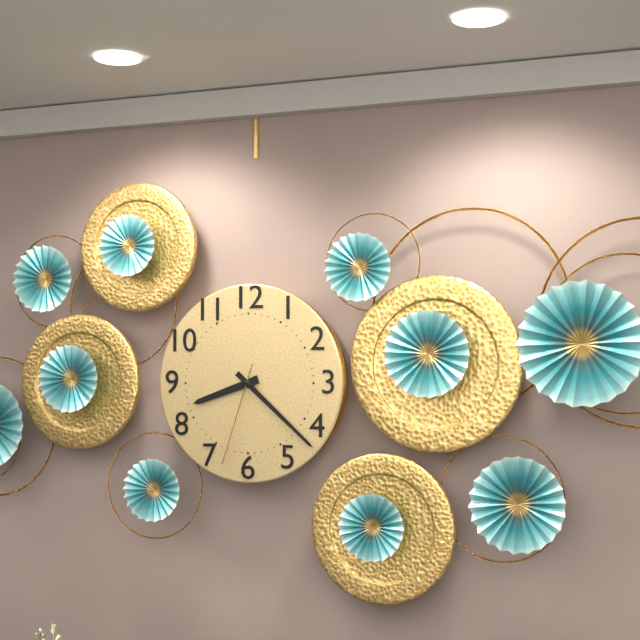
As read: 8.22.33
